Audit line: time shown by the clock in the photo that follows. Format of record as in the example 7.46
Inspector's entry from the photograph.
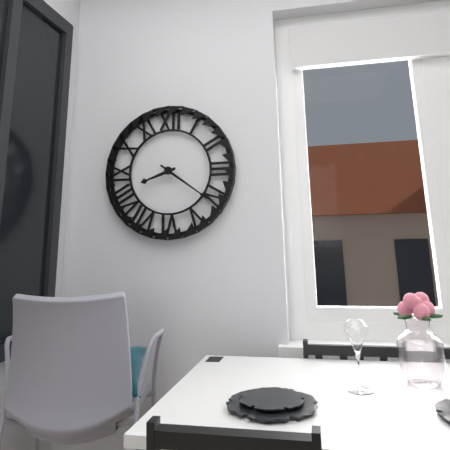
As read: 8.21
